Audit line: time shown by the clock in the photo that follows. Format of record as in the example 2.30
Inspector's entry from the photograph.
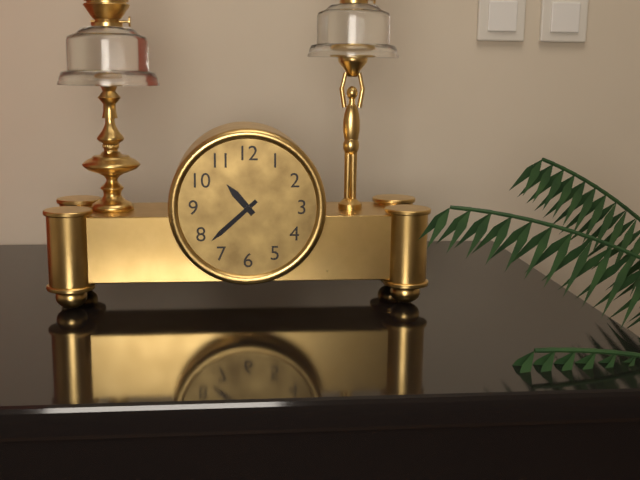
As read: 10.38
